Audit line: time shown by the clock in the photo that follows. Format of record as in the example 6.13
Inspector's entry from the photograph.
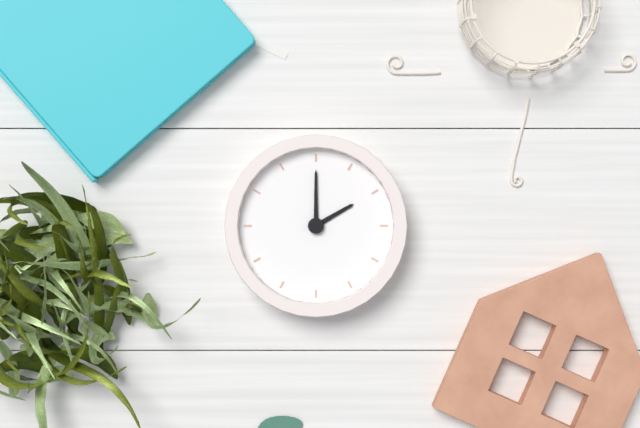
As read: 2.00
